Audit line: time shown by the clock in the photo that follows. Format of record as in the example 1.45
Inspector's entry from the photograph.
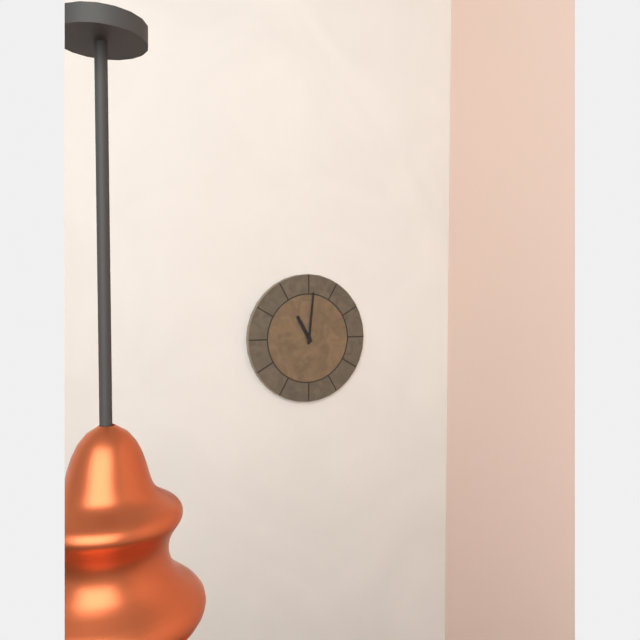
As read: 11.01
